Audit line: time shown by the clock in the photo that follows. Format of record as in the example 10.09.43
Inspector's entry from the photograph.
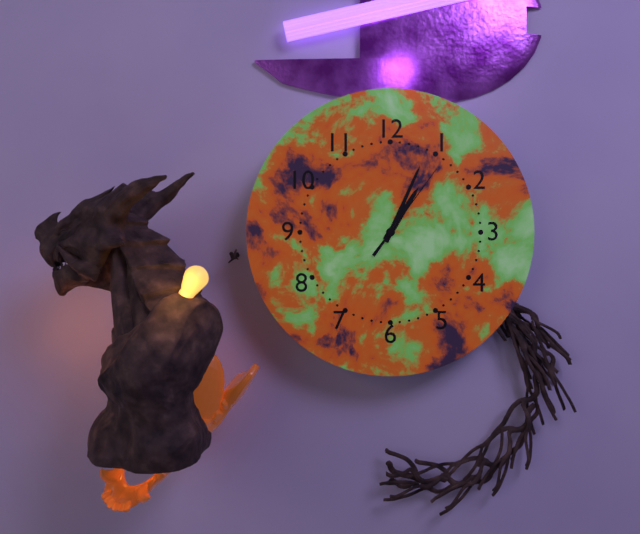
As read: 1.04.06
